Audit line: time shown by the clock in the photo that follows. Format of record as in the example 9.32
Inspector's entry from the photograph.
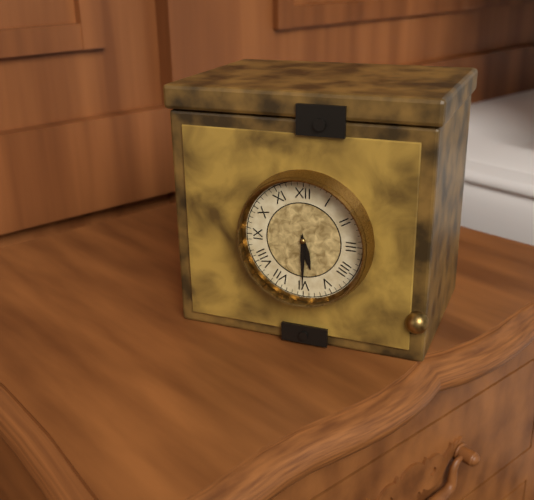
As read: 5.30
